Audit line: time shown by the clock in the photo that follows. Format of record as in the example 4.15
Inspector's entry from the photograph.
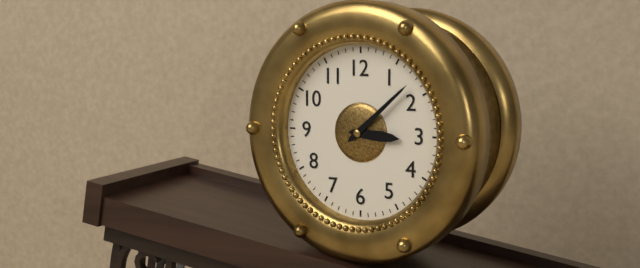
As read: 3.08
